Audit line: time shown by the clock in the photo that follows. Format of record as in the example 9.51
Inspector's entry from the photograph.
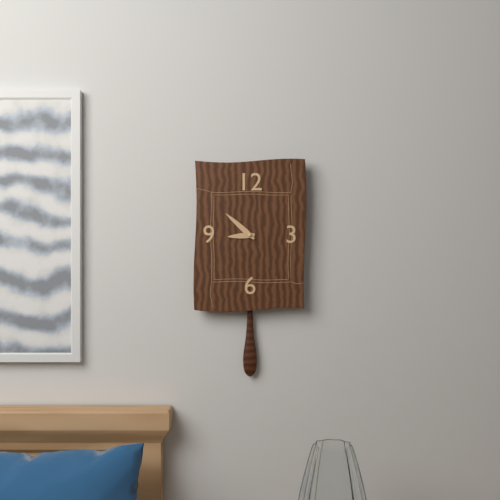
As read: 8.52
